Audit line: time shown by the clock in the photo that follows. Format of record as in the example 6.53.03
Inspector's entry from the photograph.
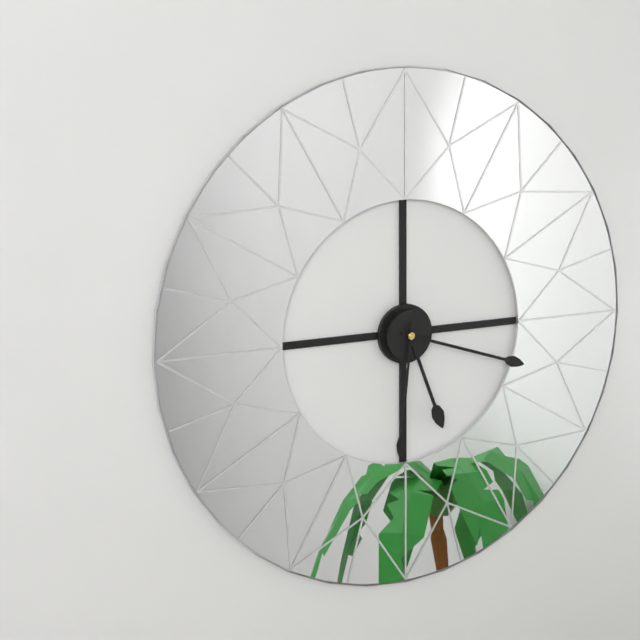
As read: 5.18.31
